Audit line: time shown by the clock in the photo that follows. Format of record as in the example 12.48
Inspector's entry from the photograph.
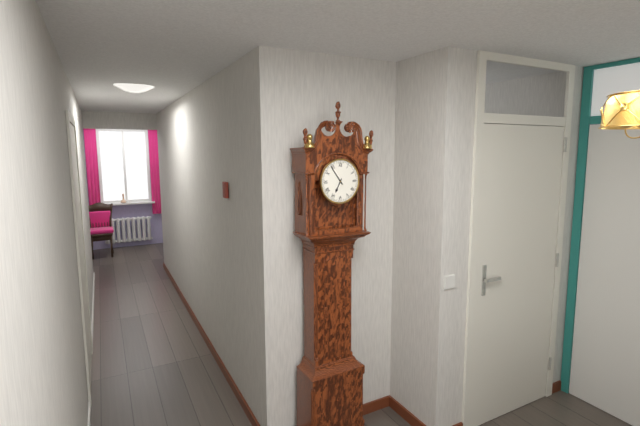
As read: 6.54
